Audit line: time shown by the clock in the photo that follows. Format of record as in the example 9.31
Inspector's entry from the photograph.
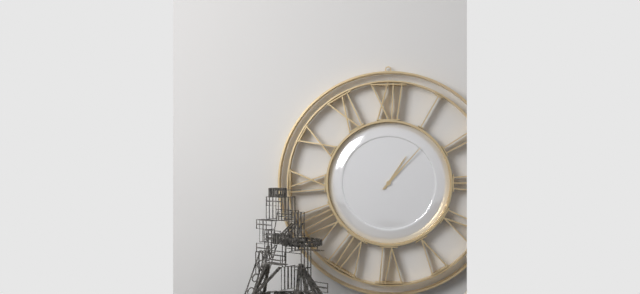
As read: 1.07
